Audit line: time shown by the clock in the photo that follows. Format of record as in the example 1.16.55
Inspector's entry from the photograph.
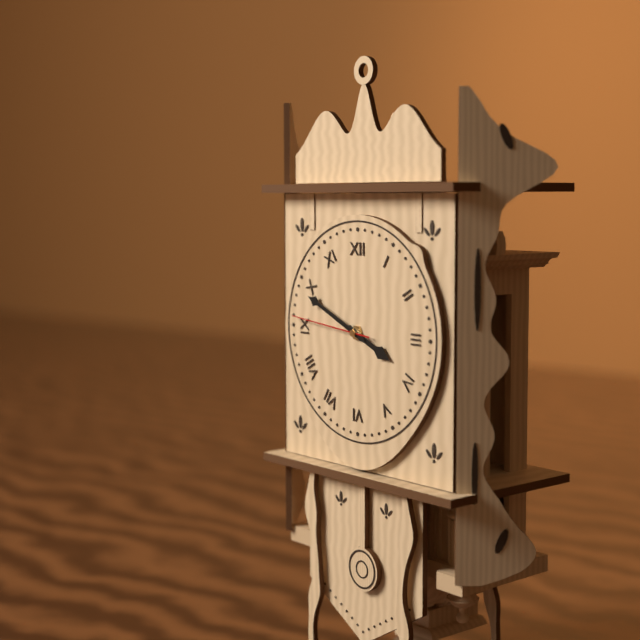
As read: 3.49.46
